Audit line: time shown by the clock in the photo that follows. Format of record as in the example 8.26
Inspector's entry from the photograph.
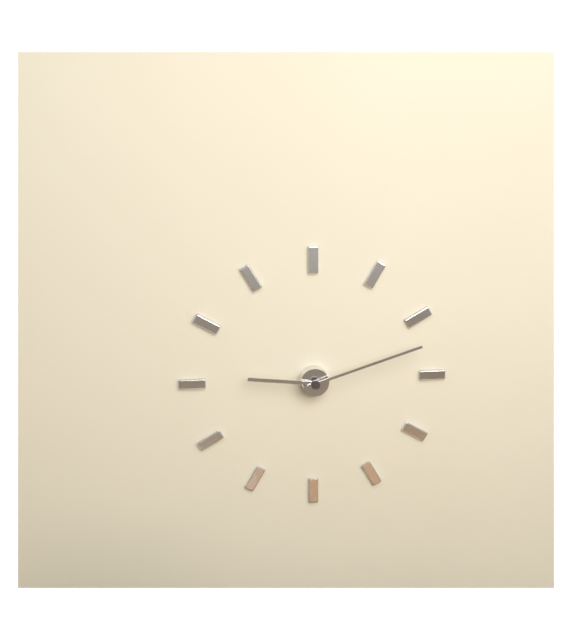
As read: 9.12
